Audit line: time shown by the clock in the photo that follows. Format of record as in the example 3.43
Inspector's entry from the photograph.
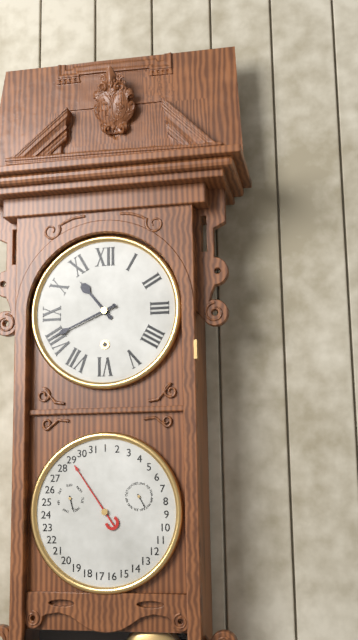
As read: 10.41
